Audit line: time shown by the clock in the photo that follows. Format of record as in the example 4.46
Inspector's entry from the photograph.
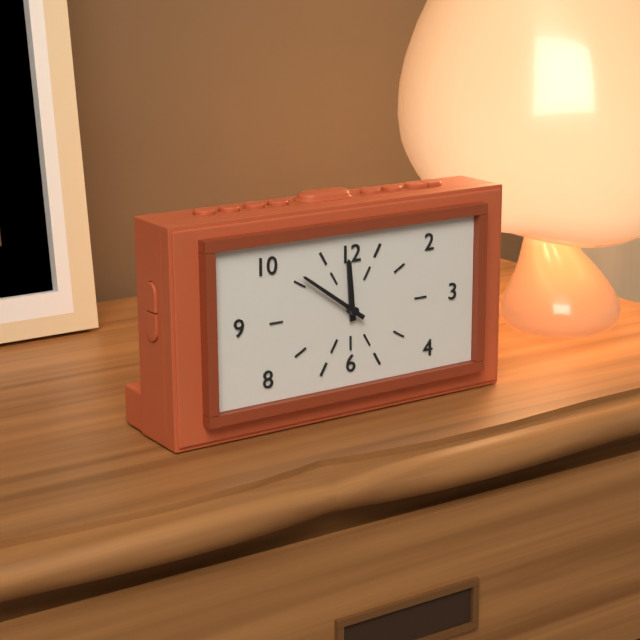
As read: 11.51
